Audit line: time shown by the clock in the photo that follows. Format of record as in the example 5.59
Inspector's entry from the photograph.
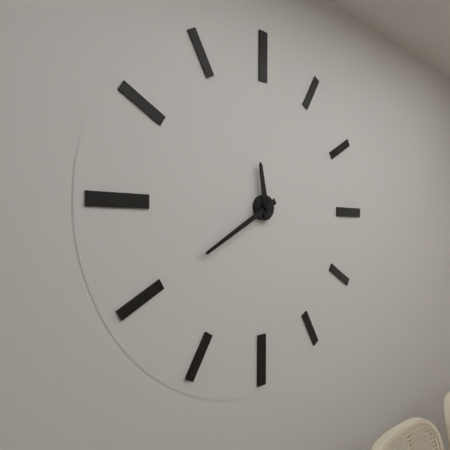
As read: 11.40
